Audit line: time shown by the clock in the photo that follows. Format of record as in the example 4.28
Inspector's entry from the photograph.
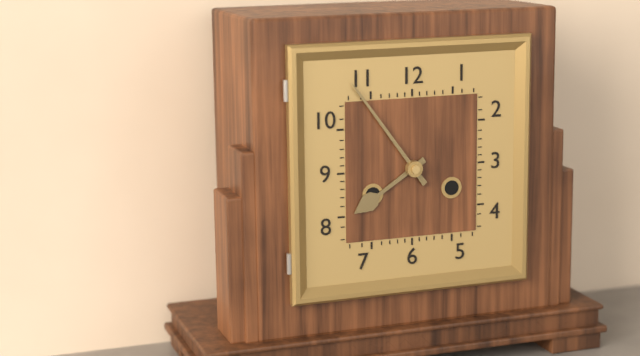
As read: 7.54
